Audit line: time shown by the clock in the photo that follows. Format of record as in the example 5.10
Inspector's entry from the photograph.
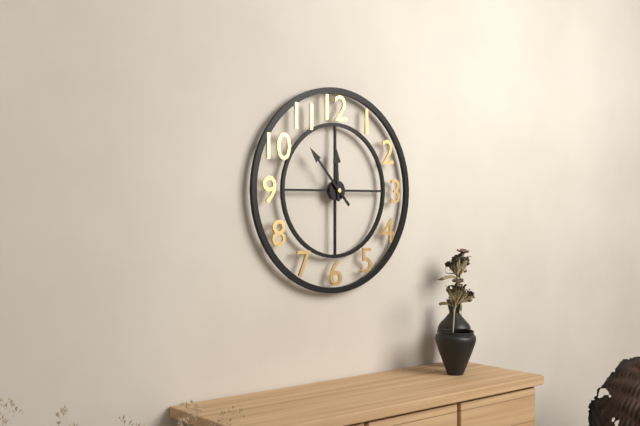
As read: 11.53
